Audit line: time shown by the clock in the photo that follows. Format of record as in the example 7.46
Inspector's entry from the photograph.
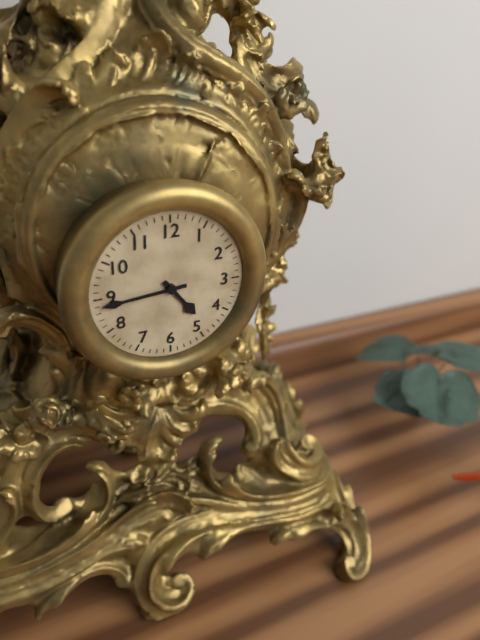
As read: 4.44
